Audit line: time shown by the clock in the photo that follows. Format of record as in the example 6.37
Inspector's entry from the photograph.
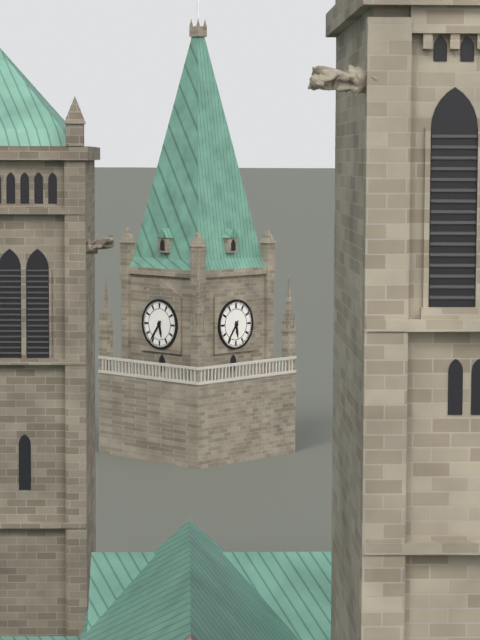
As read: 5.36
